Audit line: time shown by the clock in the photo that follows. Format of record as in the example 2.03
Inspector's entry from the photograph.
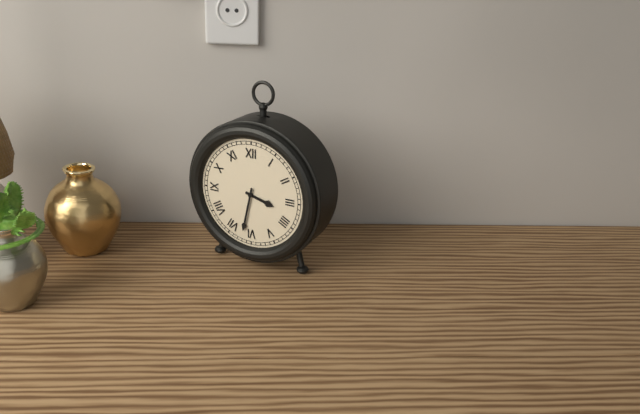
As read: 3.32
